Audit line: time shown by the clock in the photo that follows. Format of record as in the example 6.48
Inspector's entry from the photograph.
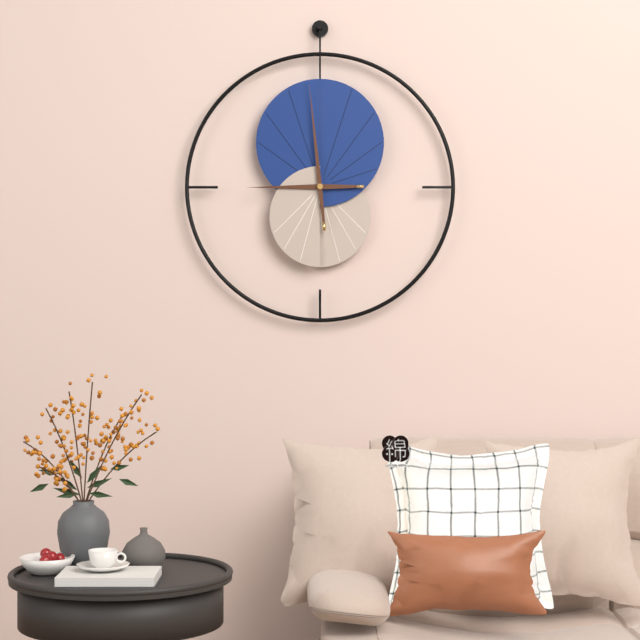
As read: 8.59
